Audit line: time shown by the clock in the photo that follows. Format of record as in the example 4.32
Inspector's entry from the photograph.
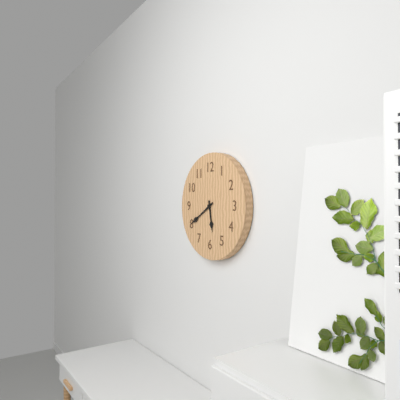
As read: 5.40
